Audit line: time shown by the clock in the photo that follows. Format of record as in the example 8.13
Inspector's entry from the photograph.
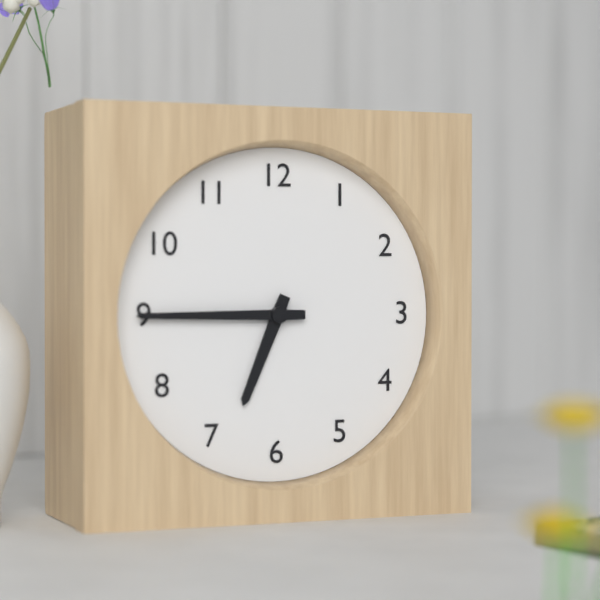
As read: 6.45
